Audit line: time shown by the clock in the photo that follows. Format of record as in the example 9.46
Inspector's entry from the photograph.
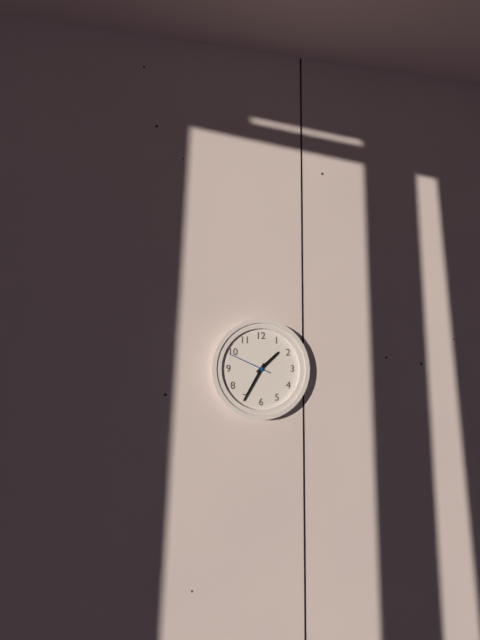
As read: 1.35
